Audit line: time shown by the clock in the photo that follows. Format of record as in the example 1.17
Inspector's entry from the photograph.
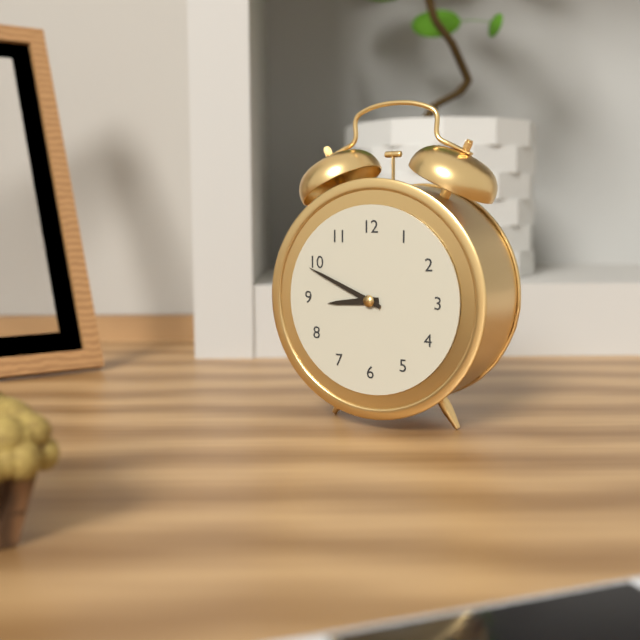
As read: 8.49
